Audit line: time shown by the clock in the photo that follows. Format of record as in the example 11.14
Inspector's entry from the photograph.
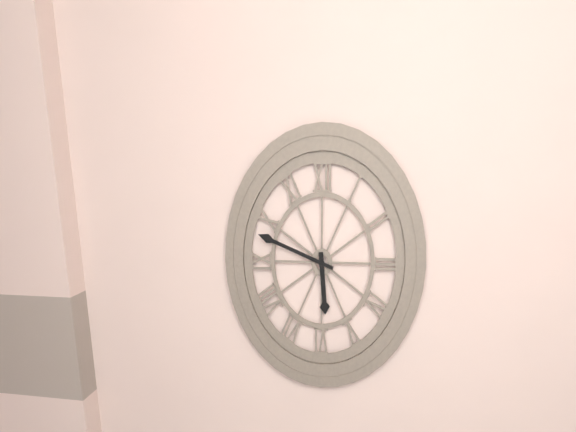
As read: 5.48
